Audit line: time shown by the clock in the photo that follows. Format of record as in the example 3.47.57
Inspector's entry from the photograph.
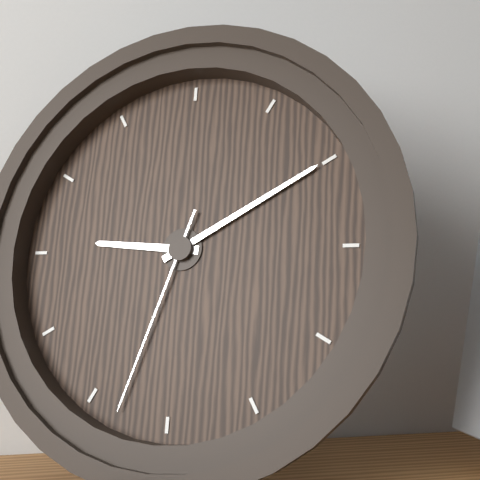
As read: 9.10.33
